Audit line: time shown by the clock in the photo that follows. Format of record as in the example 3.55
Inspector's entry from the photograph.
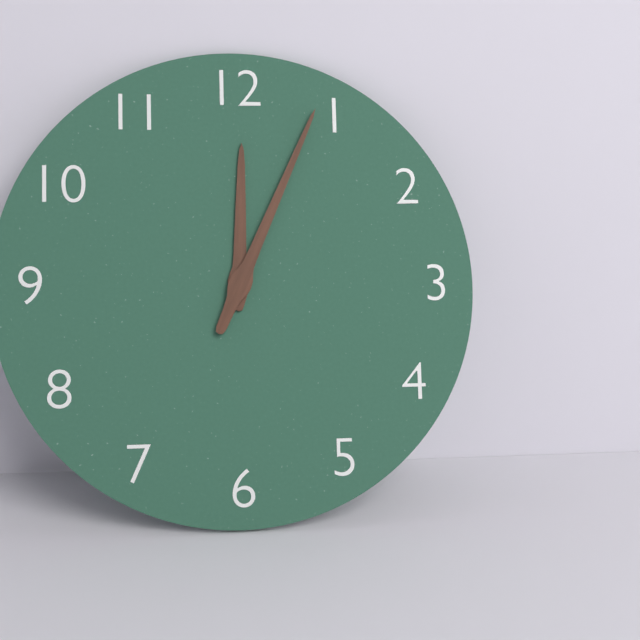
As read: 12.04
